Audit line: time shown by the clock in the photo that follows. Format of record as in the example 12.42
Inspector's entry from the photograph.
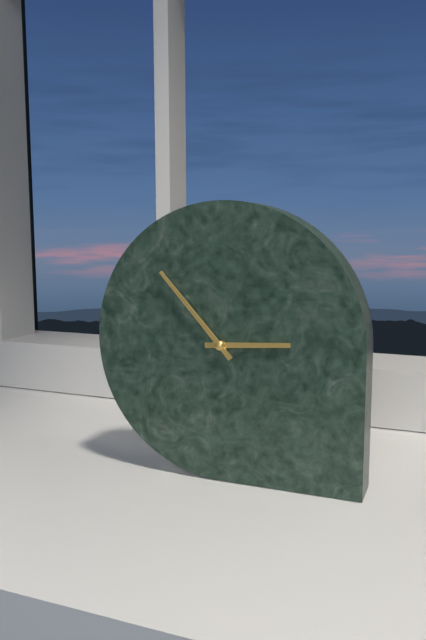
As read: 2.53
